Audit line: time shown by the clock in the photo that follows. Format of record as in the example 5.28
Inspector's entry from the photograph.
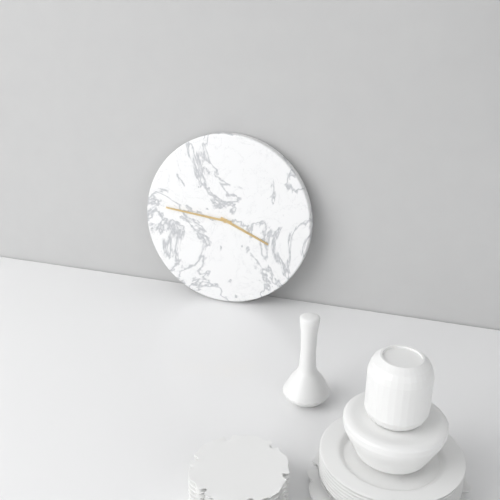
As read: 3.46
